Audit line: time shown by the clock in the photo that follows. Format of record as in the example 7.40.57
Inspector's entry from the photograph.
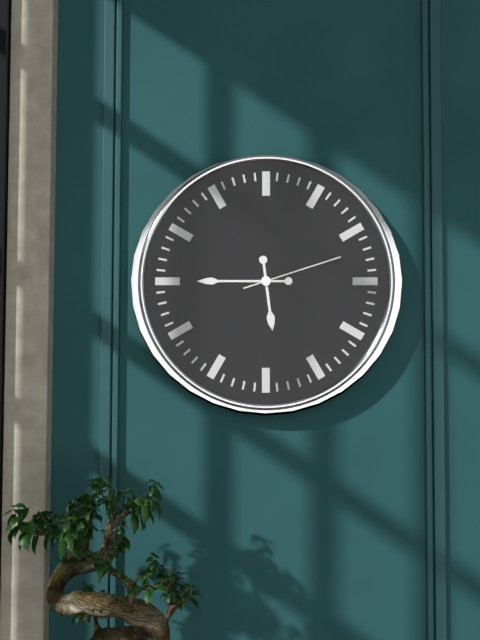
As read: 5.45.12
